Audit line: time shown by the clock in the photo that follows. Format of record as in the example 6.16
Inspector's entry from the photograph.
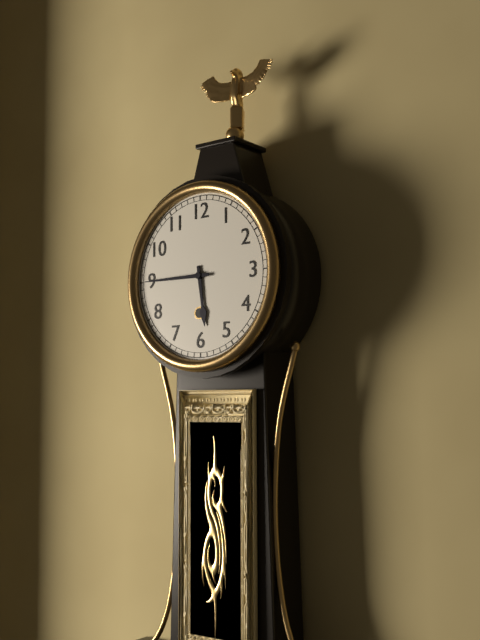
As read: 5.45
